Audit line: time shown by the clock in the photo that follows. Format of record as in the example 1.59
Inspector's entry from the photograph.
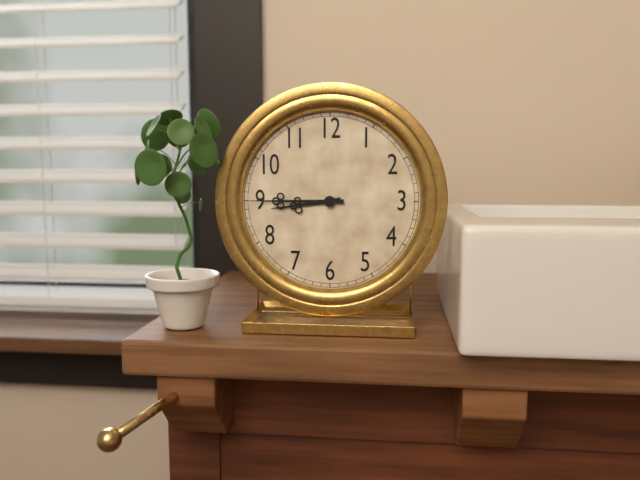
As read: 8.45
